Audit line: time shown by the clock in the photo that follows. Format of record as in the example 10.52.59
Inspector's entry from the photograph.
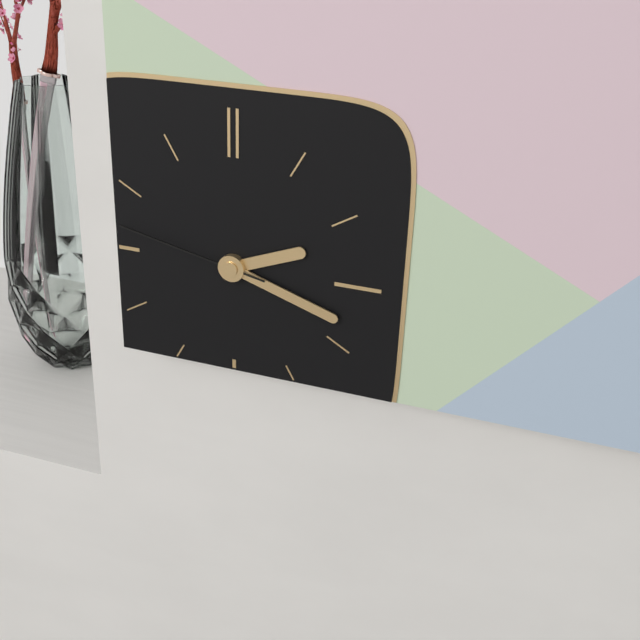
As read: 2.18.47
